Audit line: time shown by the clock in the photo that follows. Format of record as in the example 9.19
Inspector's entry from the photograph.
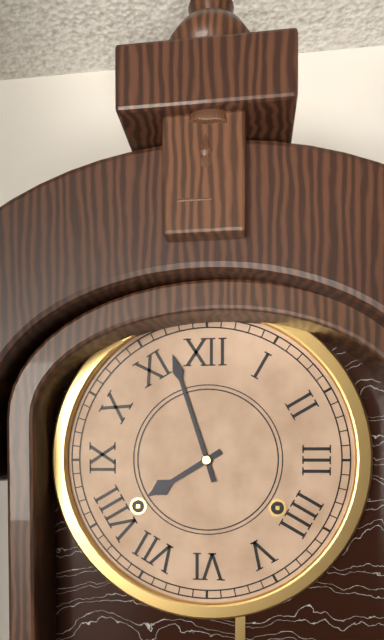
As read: 7.57
